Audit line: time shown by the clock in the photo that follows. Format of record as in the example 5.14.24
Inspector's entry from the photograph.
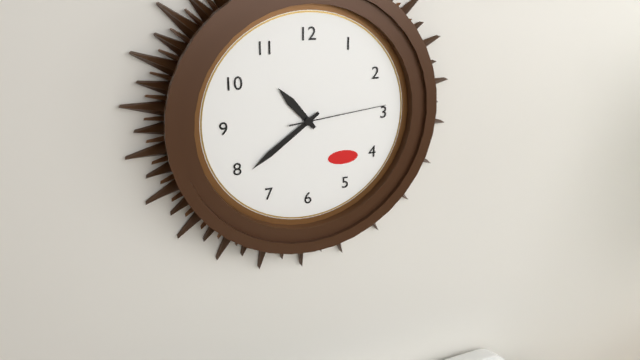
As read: 10.39.14
